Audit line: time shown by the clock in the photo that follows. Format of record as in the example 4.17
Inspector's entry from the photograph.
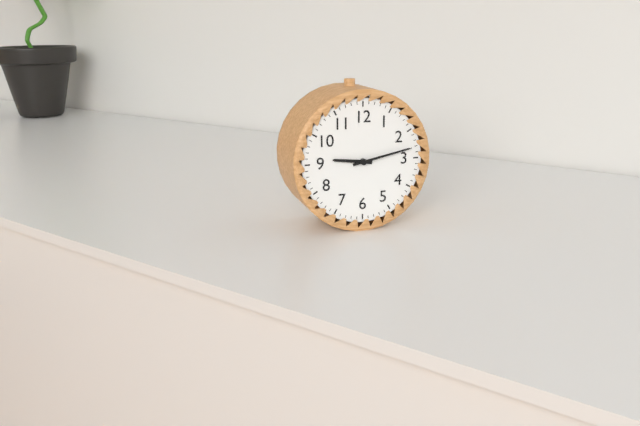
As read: 9.13
